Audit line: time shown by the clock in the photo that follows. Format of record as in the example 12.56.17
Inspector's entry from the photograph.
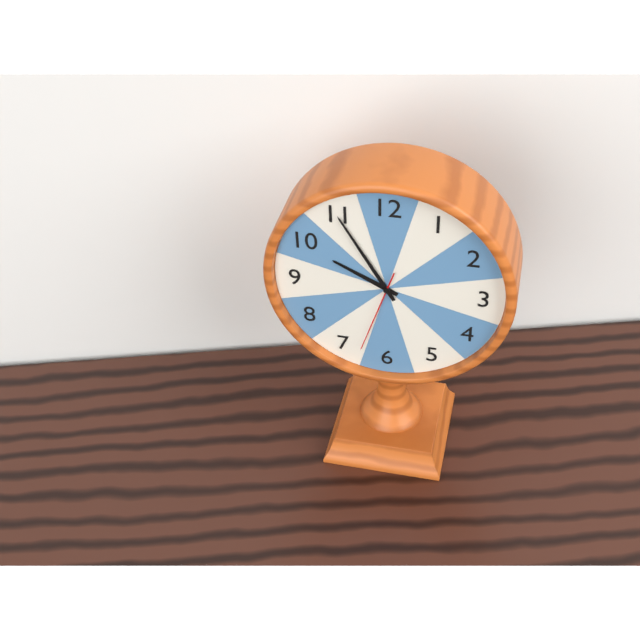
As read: 9.55.33
